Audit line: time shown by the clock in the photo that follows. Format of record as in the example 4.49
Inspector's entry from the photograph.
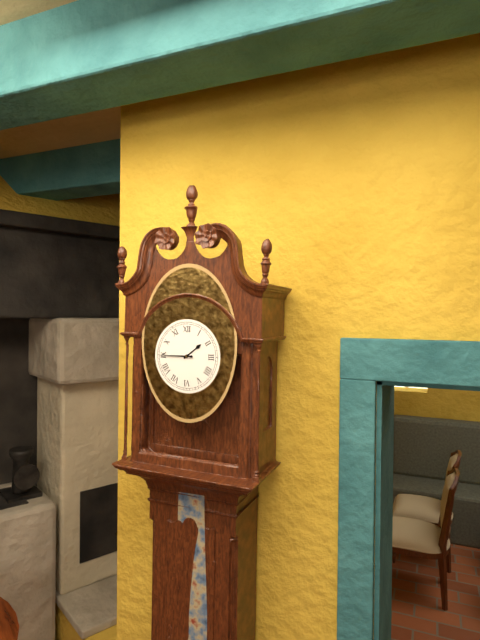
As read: 1.45
